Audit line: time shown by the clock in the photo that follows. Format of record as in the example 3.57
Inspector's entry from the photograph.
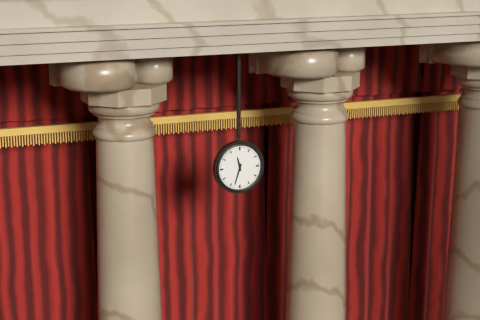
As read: 11.33
